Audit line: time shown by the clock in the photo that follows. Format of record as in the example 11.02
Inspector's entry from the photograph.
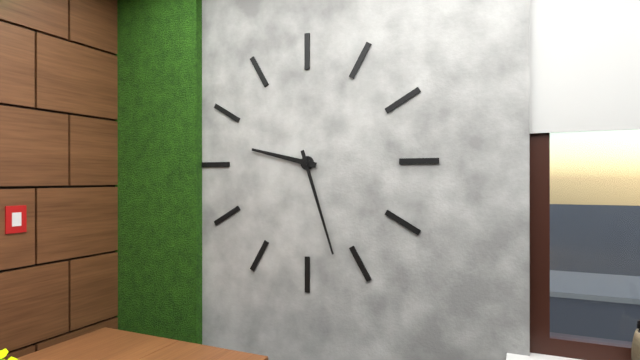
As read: 9.27
